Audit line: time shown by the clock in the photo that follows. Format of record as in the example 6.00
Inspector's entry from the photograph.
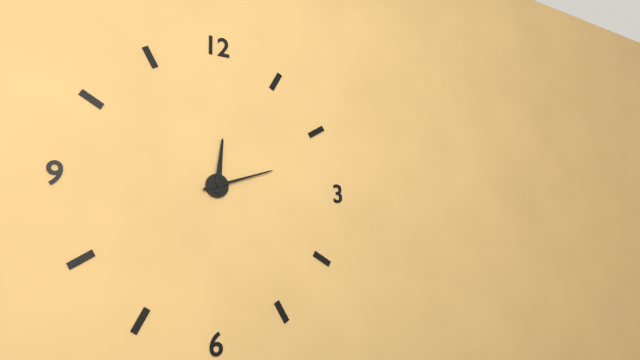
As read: 12.12
